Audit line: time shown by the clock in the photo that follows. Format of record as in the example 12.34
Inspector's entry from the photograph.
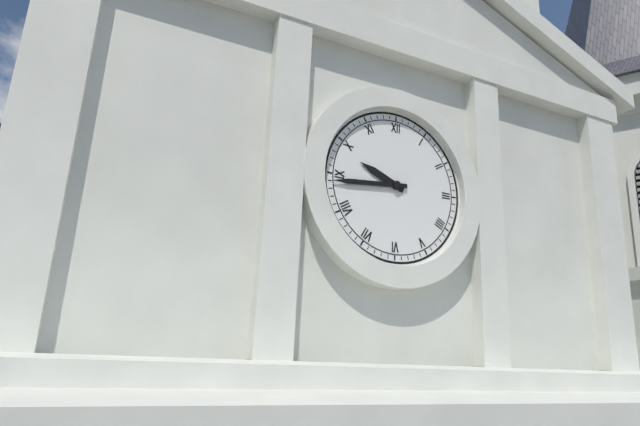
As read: 9.44
